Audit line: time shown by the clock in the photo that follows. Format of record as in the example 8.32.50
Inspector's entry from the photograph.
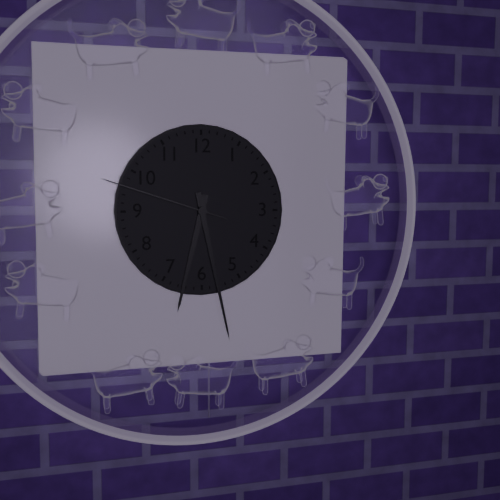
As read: 6.28.48
